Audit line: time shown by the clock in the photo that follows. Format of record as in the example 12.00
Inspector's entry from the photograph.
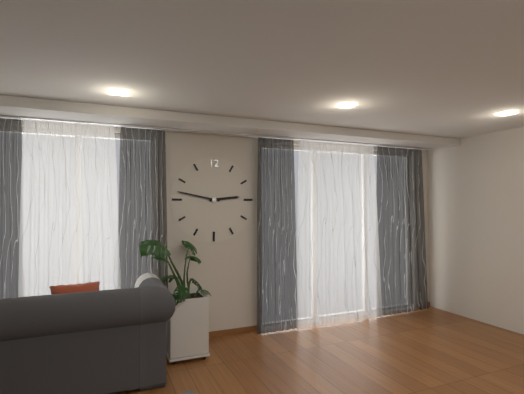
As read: 2.47
